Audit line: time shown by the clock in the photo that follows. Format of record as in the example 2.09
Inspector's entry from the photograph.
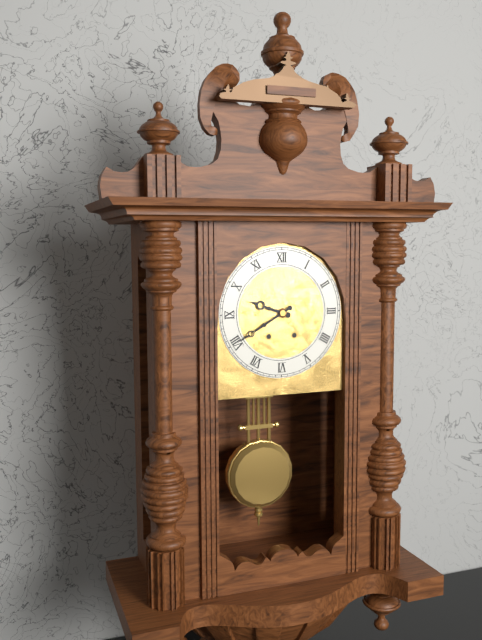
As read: 9.40
